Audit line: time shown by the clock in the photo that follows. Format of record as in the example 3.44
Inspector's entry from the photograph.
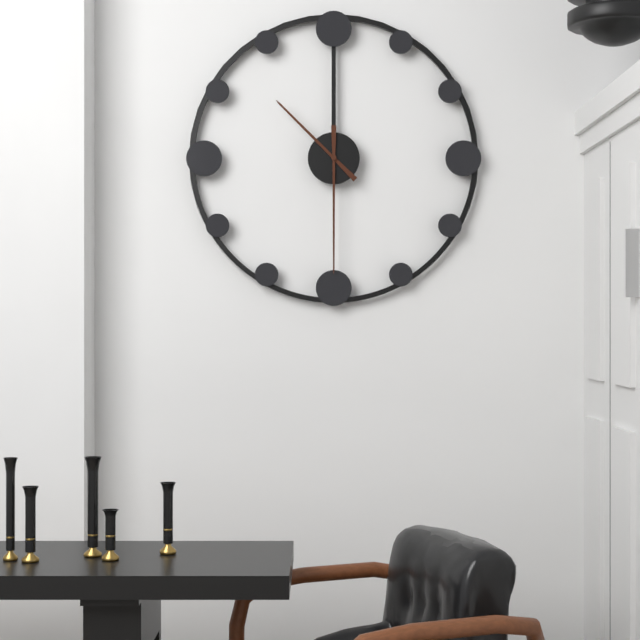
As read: 10.30
